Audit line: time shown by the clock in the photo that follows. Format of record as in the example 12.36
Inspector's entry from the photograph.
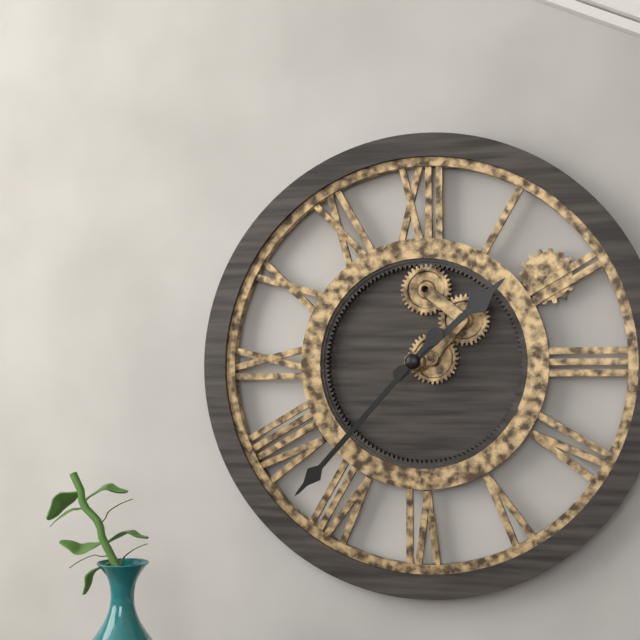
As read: 1.37
